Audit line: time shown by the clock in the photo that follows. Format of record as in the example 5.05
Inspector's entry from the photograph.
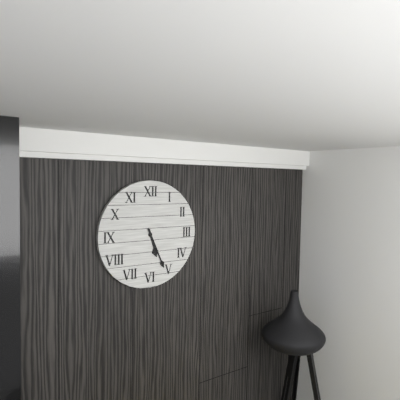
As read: 5.26
